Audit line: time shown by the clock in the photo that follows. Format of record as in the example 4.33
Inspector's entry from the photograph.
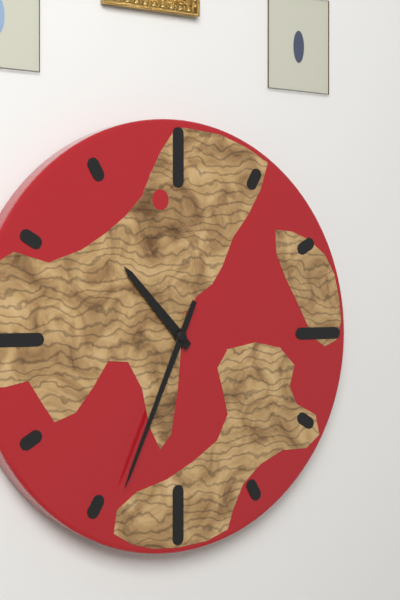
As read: 10.34
